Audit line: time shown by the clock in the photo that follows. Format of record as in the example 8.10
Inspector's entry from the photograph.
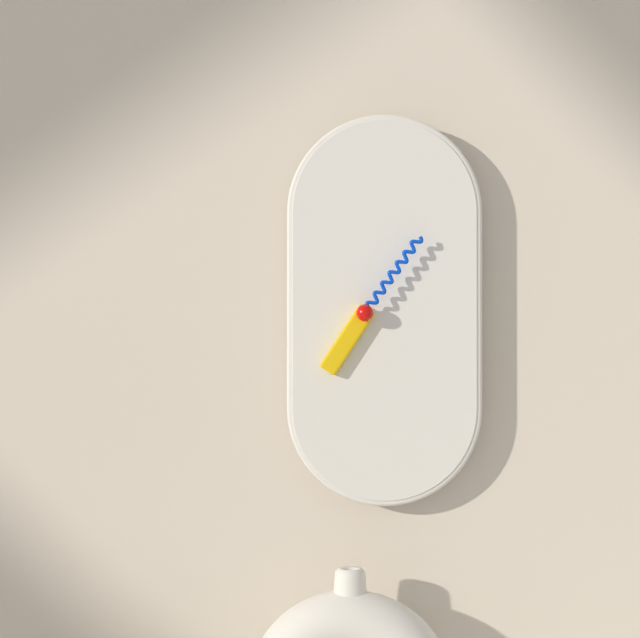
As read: 7.06
